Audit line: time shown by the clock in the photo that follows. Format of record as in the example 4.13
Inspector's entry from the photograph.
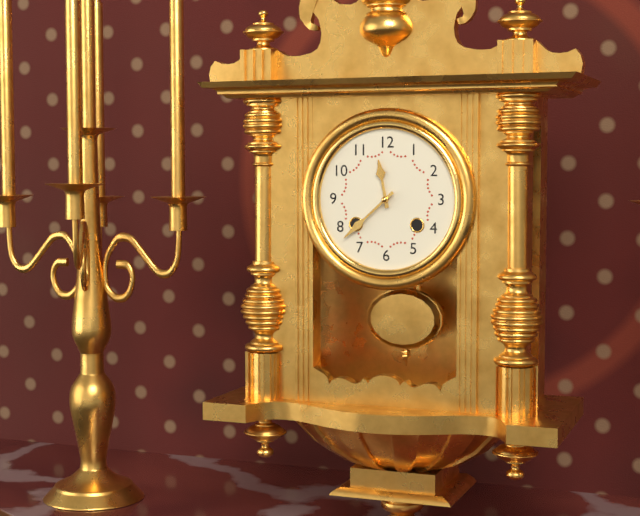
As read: 11.38
